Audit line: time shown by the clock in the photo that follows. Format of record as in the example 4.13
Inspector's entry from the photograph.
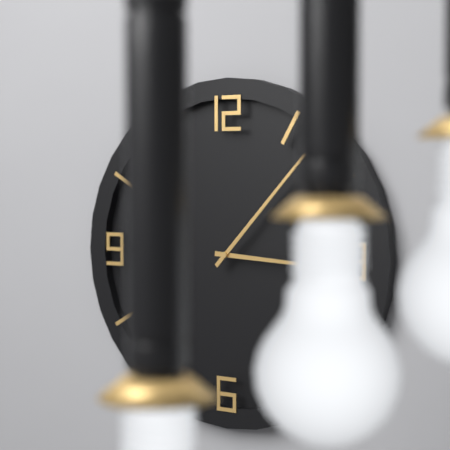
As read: 3.07
